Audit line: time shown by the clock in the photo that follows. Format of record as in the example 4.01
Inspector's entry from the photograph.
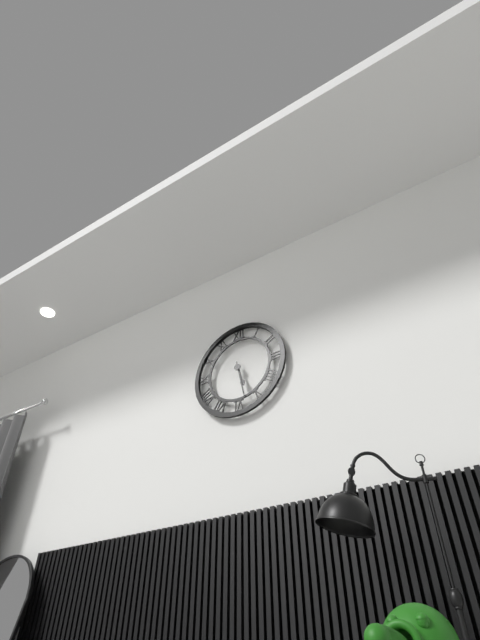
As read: 5.28
